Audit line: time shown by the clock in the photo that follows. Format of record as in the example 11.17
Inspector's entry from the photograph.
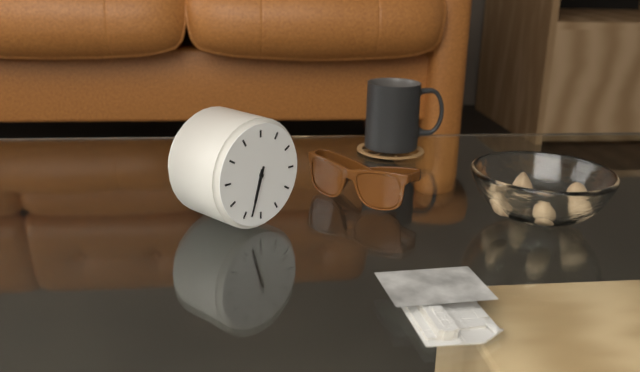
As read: 6.33
